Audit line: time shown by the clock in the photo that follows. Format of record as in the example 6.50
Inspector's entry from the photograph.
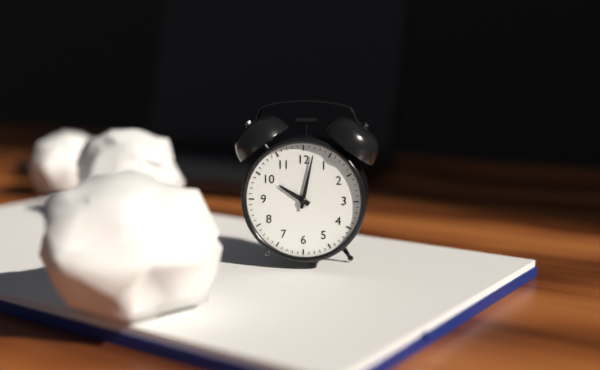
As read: 10.02
